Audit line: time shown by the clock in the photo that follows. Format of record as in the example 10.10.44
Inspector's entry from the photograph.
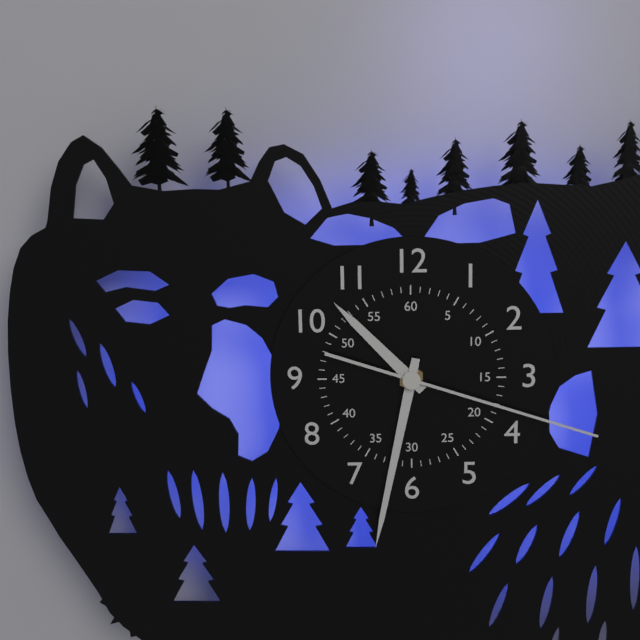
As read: 10.32.18
